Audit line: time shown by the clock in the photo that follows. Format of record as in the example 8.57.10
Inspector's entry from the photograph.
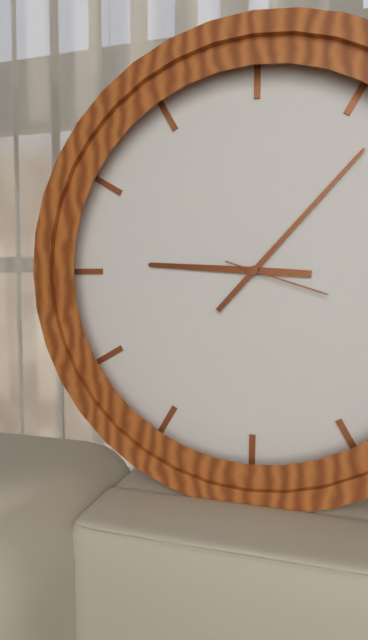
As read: 9.07.18
